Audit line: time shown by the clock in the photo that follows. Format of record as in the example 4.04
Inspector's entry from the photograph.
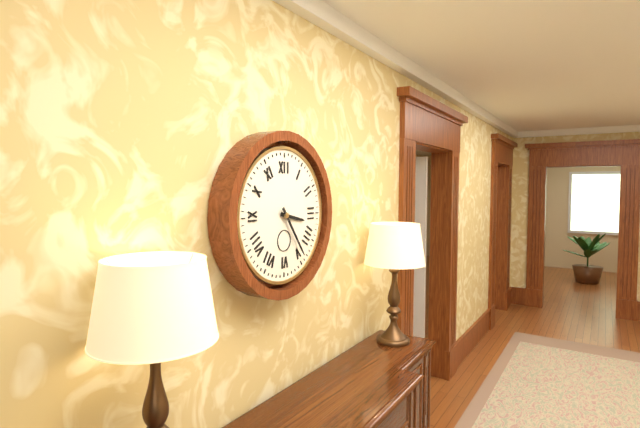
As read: 3.24
